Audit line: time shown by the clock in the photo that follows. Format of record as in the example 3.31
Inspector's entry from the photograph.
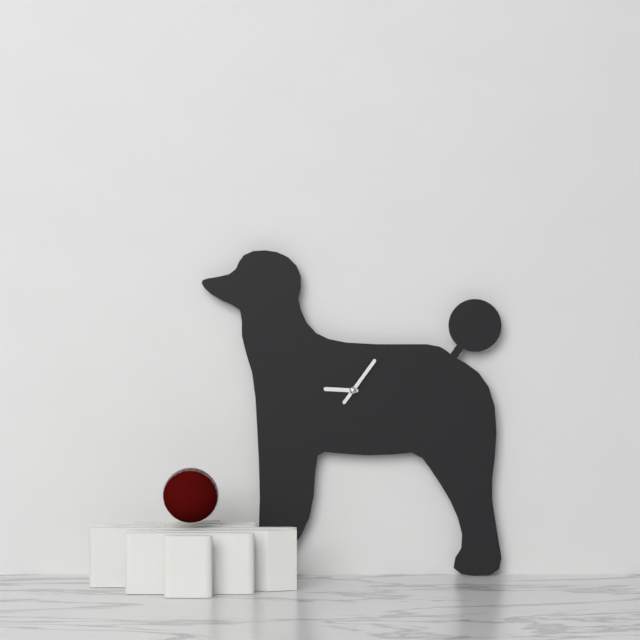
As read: 9.06
